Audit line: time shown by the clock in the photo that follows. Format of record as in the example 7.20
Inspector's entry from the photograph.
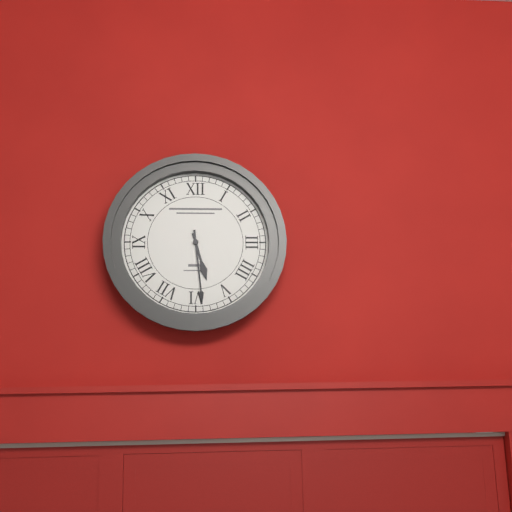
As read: 5.29
